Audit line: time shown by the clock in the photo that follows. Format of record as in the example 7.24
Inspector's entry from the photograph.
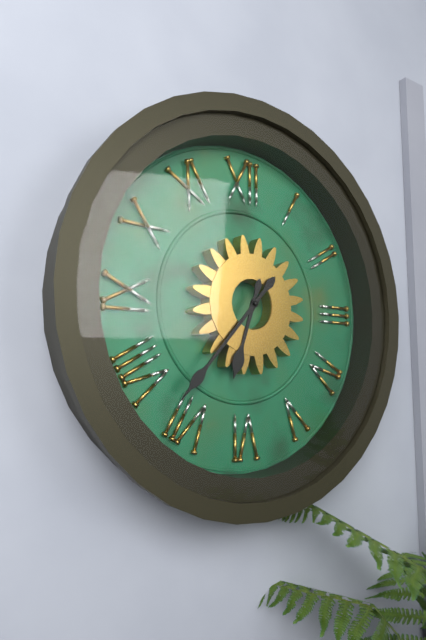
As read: 6.37
